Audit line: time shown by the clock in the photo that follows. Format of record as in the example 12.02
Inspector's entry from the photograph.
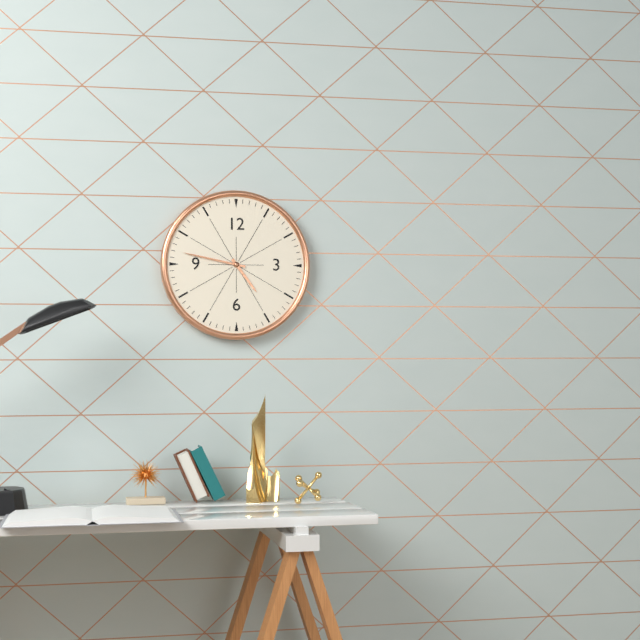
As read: 4.47
